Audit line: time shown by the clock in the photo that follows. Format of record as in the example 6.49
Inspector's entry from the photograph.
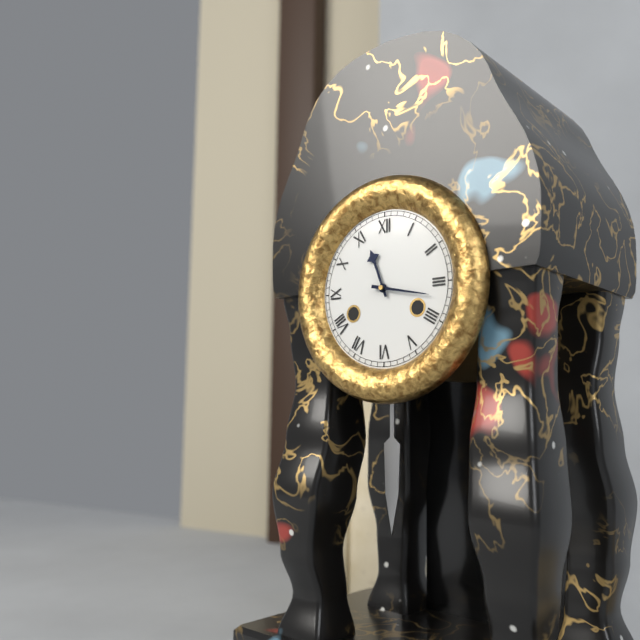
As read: 11.17
